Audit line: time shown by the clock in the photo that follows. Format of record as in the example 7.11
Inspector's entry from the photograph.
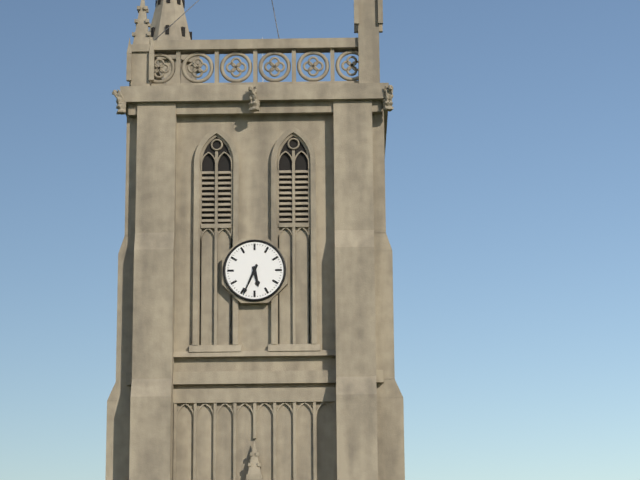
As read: 5.34
